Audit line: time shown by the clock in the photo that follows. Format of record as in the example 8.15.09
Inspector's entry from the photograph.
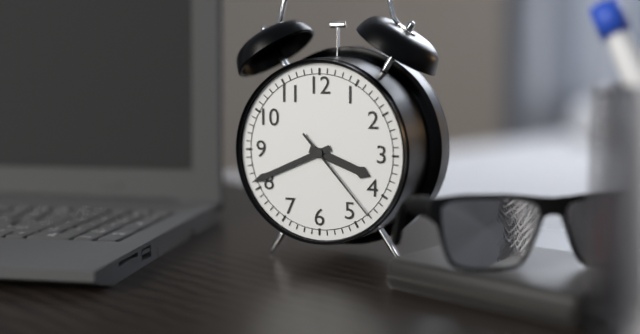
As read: 3.41.23
